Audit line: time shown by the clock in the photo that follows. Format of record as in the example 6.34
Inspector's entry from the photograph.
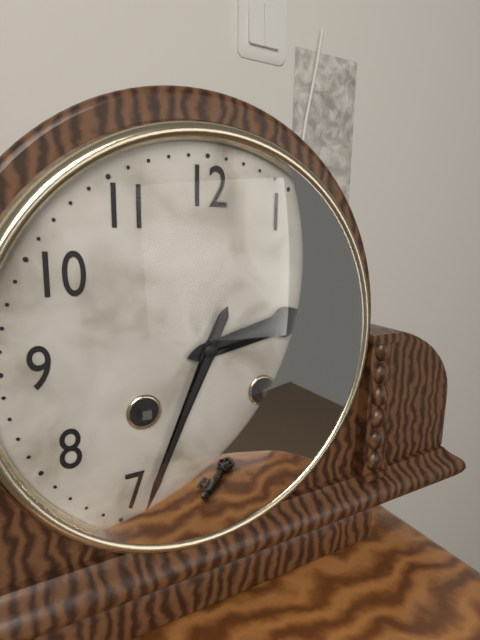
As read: 2.34
